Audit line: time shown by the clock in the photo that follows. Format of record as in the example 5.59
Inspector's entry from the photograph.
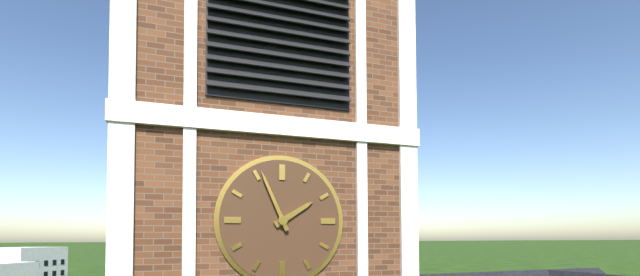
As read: 1.56
